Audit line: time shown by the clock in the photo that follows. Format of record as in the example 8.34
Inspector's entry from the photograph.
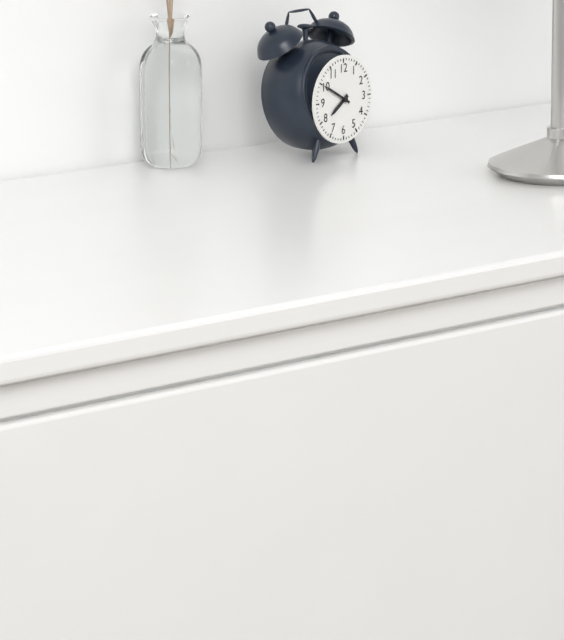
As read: 7.50
